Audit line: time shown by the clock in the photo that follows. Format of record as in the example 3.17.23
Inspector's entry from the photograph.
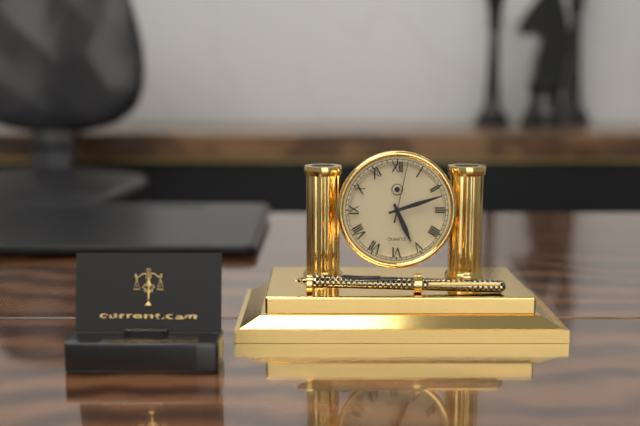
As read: 5.12.02
